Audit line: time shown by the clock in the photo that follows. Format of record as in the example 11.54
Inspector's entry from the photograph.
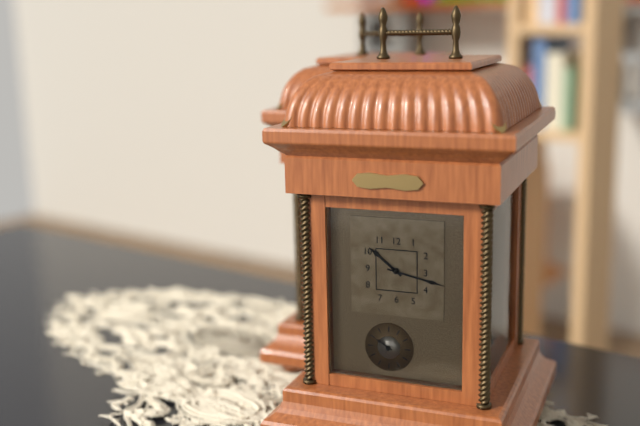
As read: 10.17
